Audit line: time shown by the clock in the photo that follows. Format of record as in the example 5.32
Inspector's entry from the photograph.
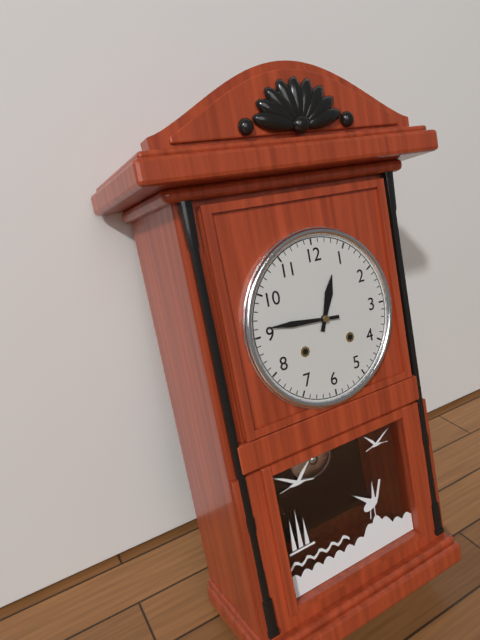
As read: 12.46
